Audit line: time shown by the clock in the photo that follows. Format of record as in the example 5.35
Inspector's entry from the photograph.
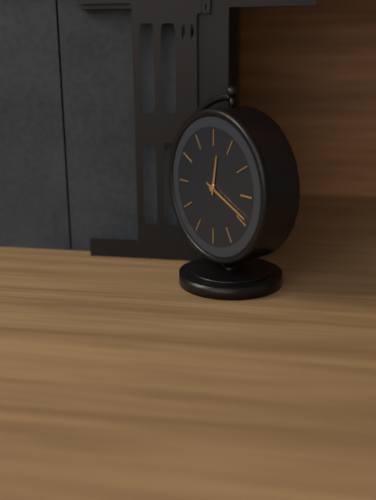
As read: 12.19
